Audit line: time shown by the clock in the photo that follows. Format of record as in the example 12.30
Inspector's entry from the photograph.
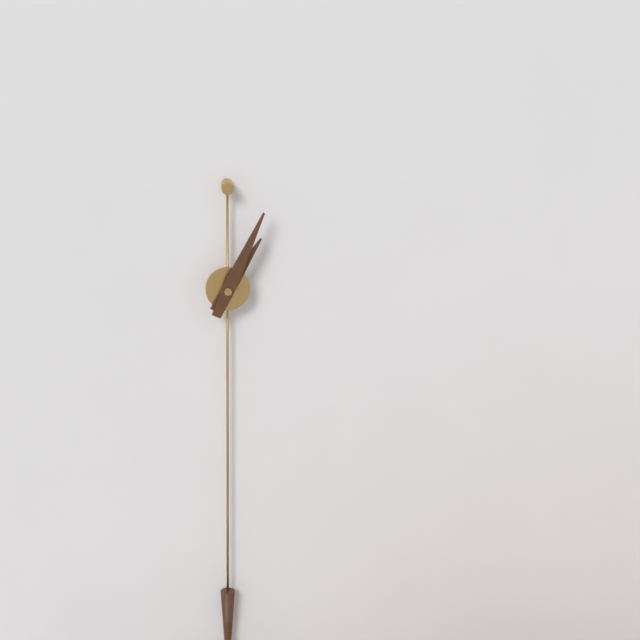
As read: 1.04
